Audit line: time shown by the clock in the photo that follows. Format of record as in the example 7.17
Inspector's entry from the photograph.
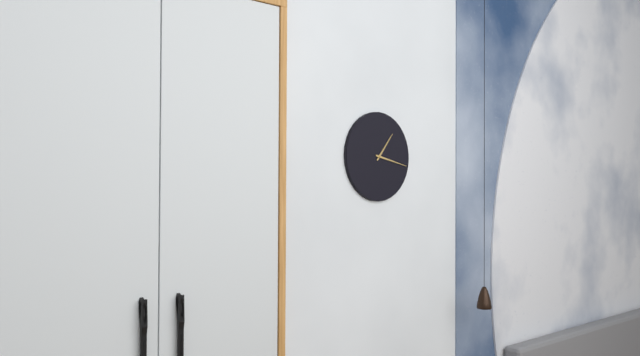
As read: 1.17
